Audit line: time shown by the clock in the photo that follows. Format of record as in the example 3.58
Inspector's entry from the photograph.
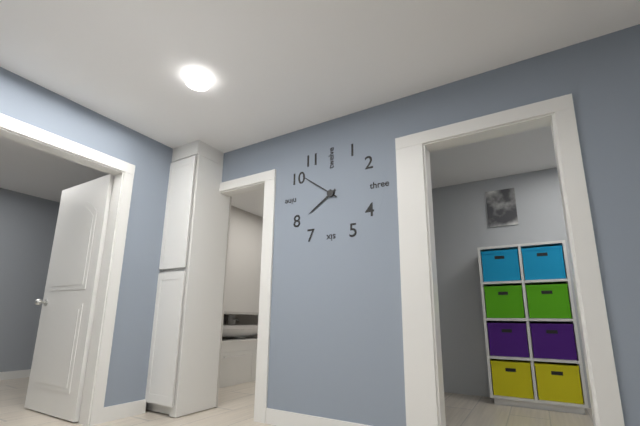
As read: 7.51
